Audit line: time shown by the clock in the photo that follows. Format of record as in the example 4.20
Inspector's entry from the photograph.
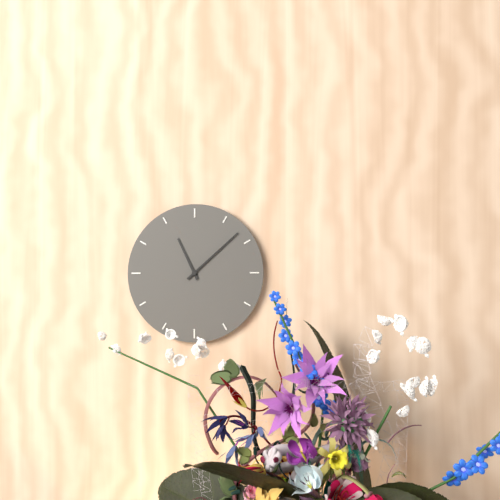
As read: 11.08
